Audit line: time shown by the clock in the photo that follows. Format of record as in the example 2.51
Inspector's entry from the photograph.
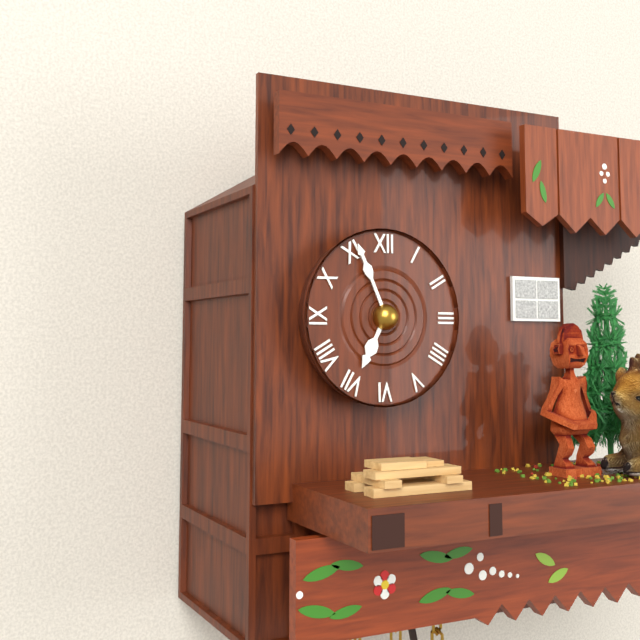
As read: 6.56
